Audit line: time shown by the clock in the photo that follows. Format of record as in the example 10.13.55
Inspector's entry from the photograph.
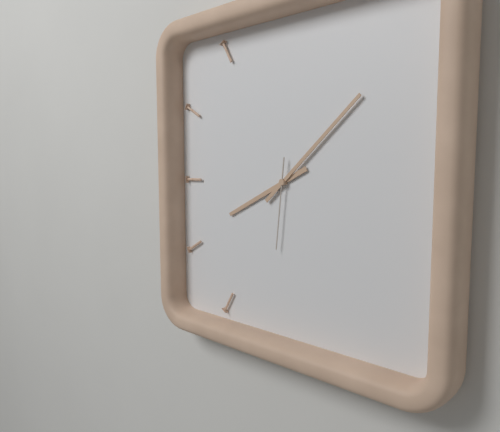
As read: 8.08.31
